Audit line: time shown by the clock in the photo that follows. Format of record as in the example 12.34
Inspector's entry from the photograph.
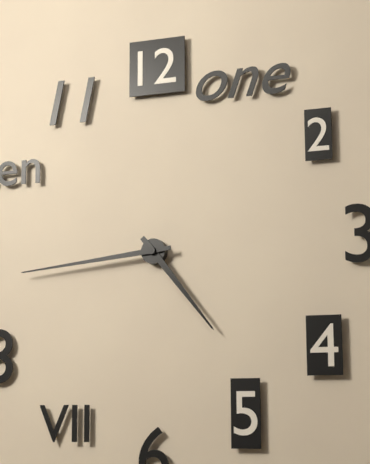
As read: 4.44
